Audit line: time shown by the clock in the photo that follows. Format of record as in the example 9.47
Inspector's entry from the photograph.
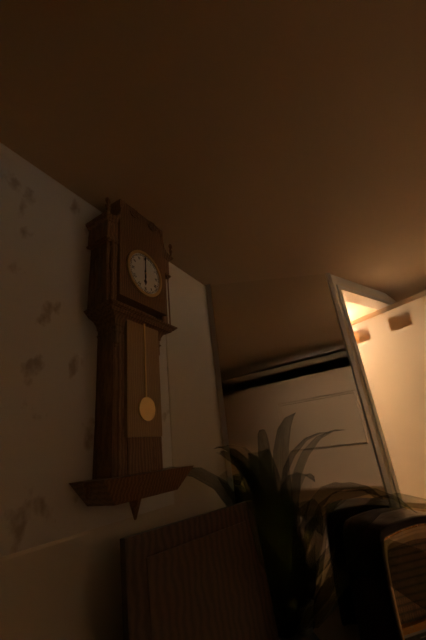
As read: 6.00
